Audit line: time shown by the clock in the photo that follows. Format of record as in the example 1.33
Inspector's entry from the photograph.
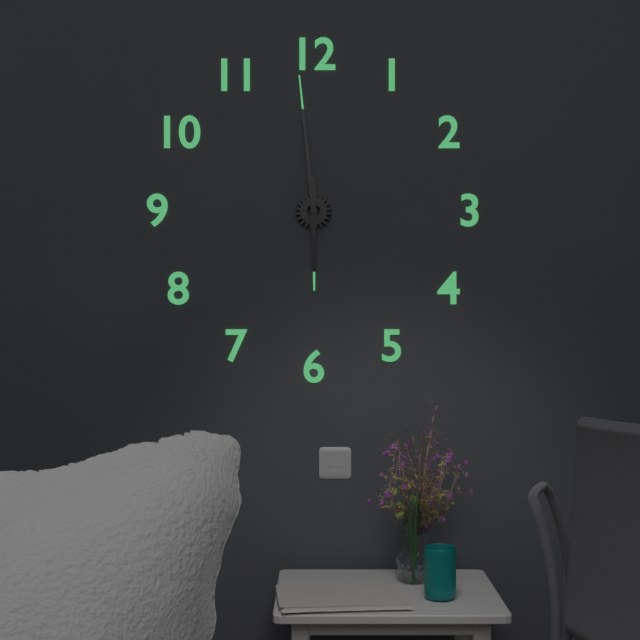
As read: 5.59
